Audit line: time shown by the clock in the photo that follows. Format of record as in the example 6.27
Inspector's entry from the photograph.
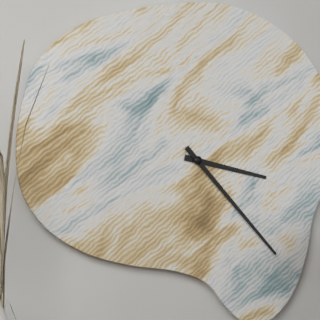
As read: 3.23
